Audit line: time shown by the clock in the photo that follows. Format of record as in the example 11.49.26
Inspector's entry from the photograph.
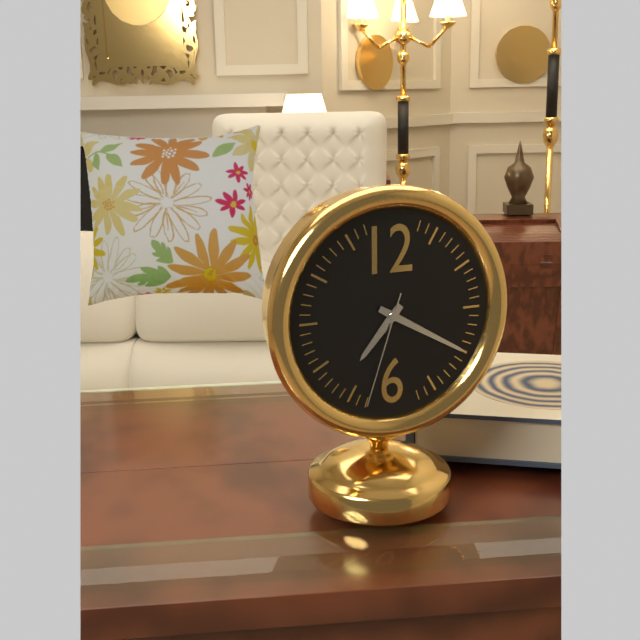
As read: 7.20.33
